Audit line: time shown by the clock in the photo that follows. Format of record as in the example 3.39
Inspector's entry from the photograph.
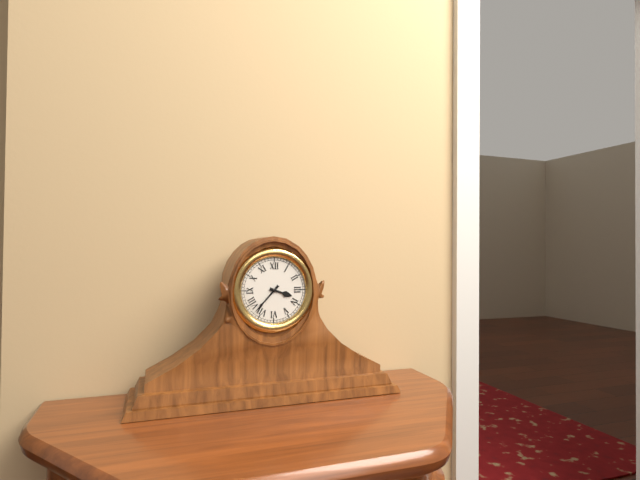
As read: 3.37
